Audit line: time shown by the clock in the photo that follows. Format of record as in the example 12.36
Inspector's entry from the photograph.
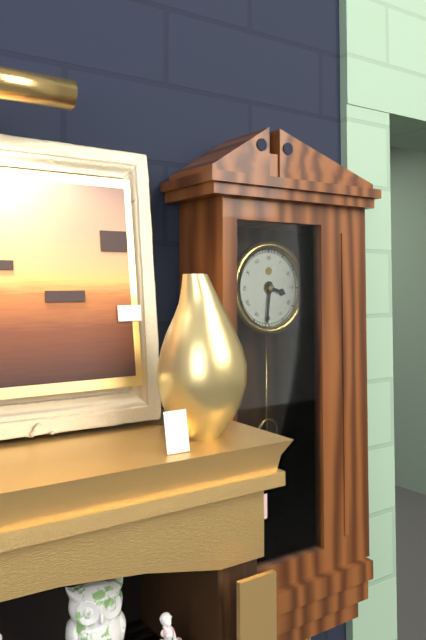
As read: 3.31
